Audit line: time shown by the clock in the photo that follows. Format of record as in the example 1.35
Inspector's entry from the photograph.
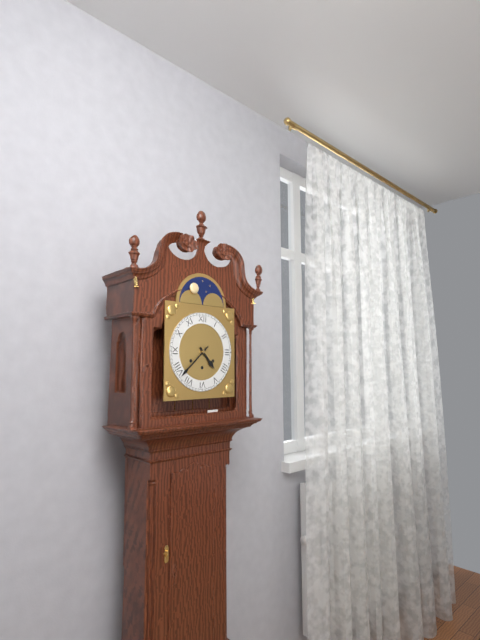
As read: 4.38
